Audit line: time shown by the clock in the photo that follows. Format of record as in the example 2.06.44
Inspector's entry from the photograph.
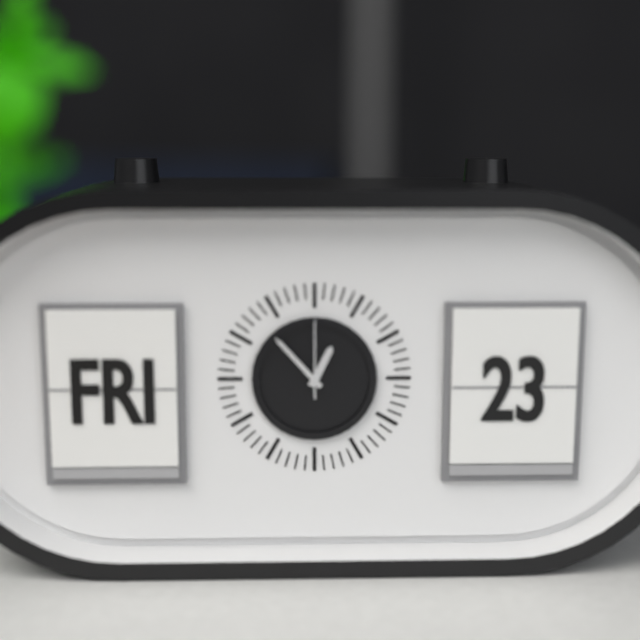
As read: 12.53.00
